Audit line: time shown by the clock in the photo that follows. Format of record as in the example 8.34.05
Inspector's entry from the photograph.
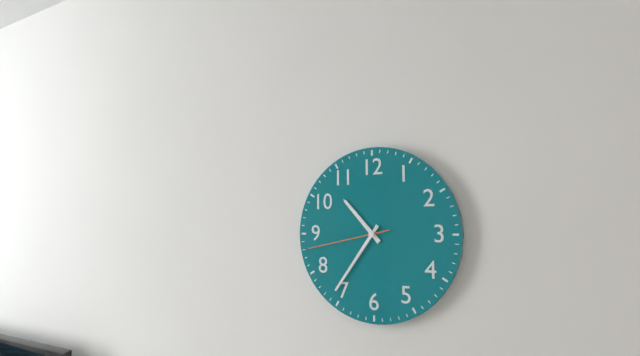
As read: 10.36.43
